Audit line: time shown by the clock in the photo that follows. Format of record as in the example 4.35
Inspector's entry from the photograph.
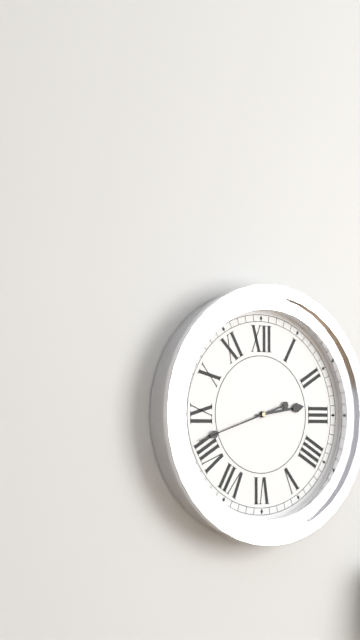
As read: 2.42
